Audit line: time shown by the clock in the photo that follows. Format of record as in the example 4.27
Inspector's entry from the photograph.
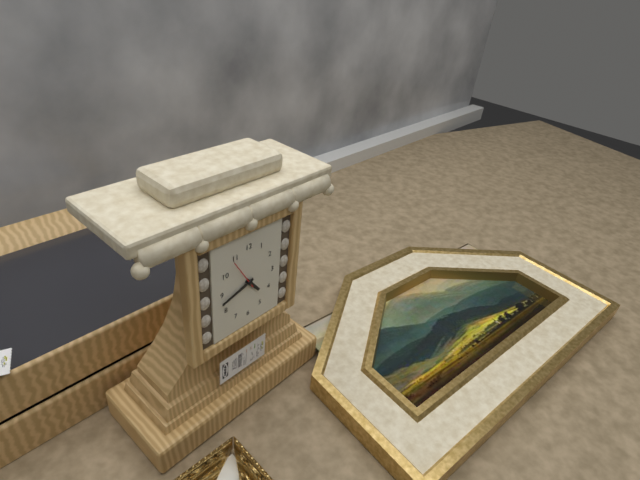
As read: 4.42
